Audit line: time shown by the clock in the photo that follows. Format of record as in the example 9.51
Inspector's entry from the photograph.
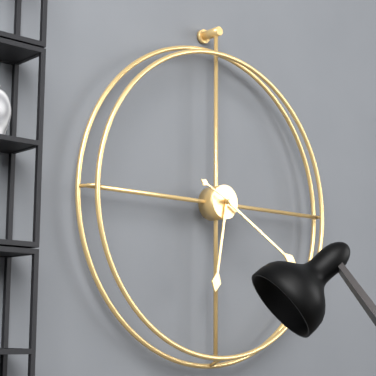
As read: 6.20
